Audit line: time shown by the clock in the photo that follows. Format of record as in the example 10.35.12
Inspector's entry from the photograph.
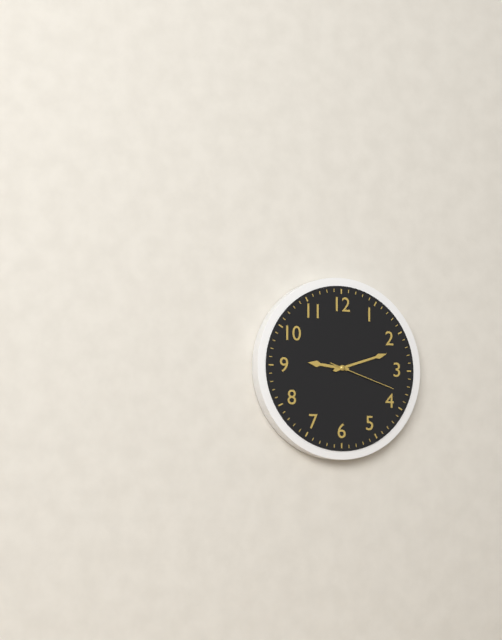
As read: 9.12.18
